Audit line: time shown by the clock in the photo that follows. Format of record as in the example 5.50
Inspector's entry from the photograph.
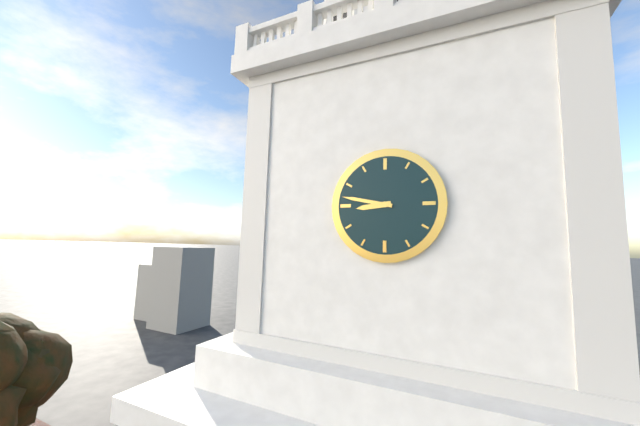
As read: 8.47
